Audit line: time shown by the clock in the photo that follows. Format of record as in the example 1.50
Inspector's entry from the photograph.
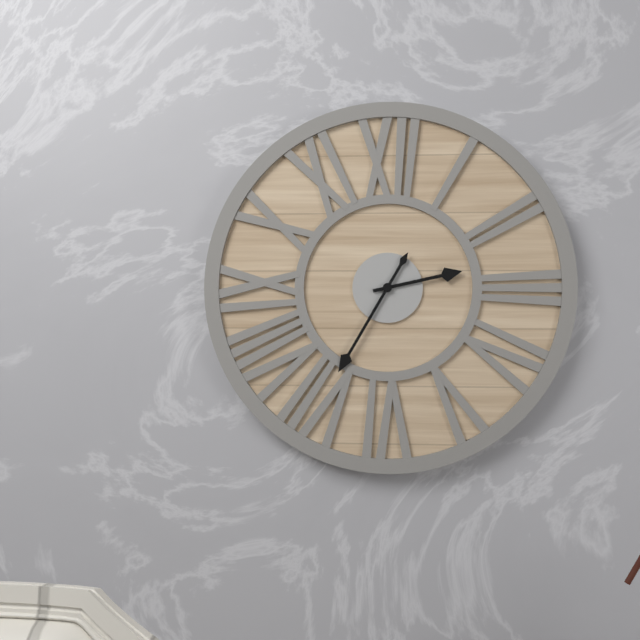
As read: 2.35
